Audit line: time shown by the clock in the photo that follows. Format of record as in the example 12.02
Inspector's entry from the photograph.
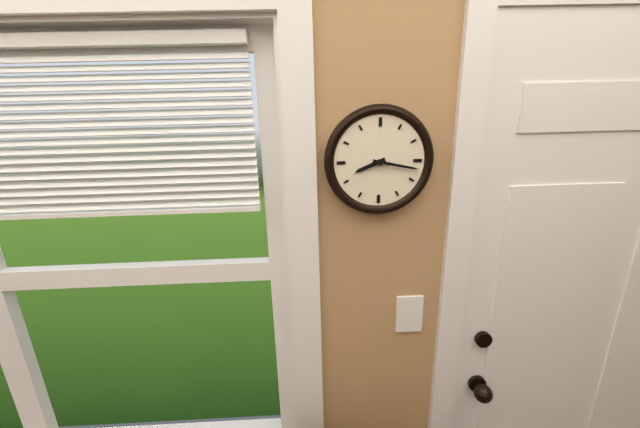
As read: 8.17
